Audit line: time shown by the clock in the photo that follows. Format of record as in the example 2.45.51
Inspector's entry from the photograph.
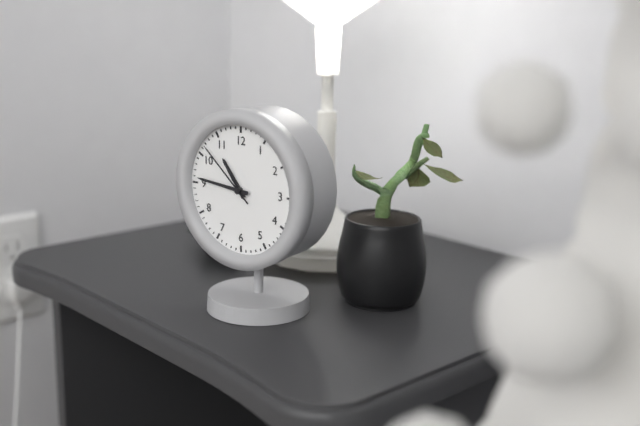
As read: 10.46.52
